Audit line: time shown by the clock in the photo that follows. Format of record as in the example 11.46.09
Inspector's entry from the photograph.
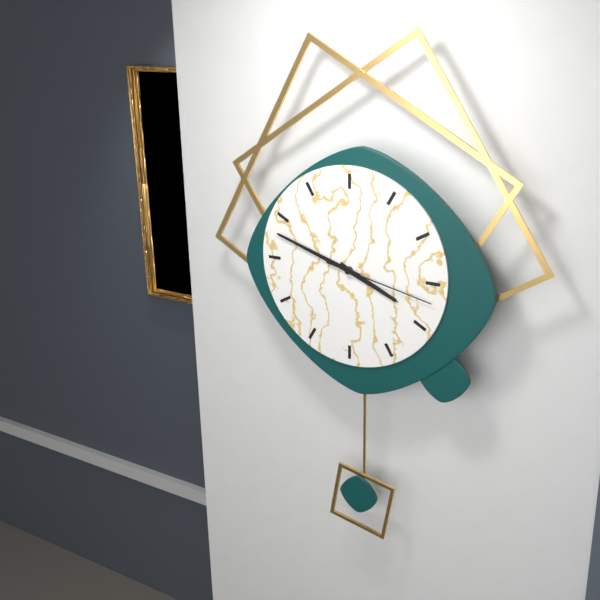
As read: 3.48.17
